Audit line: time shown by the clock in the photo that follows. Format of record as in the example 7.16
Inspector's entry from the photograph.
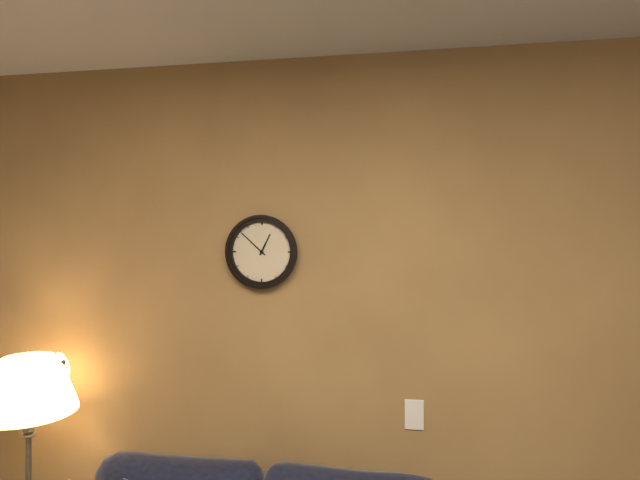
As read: 12.52
